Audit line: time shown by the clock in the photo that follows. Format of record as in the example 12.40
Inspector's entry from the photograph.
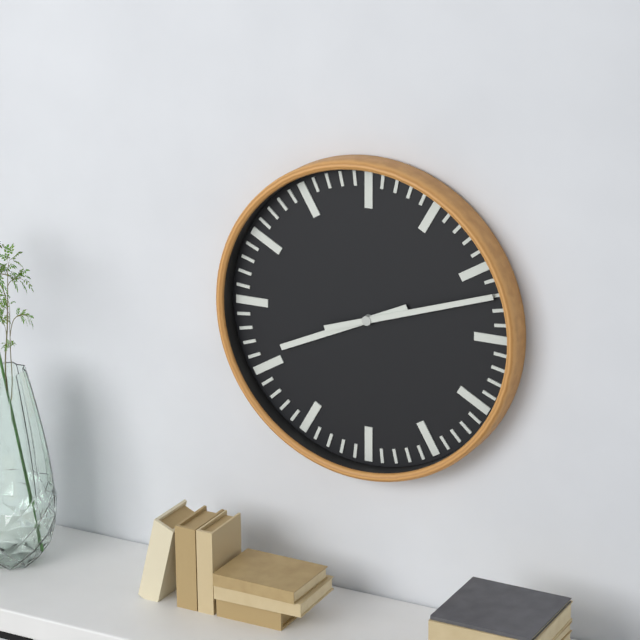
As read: 8.12
